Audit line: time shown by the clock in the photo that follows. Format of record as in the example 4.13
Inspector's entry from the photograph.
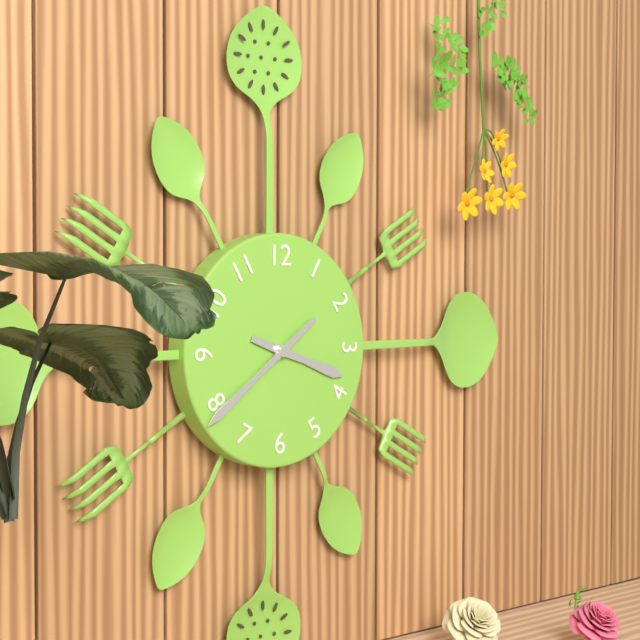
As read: 3.39
